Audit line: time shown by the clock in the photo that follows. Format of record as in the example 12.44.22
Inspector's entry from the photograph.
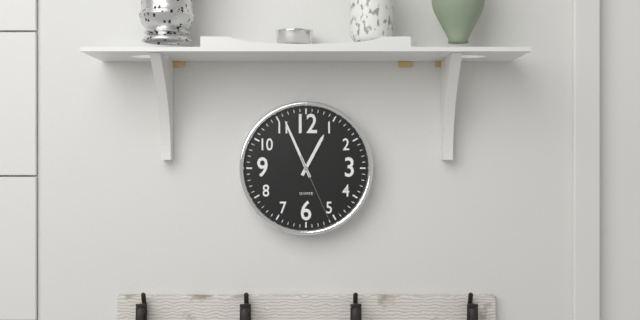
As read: 12.56.26
